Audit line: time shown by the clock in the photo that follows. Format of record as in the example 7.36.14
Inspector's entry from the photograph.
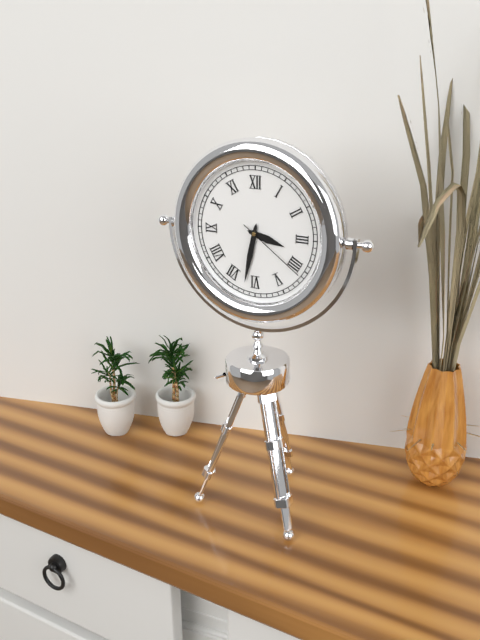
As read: 3.32.21
